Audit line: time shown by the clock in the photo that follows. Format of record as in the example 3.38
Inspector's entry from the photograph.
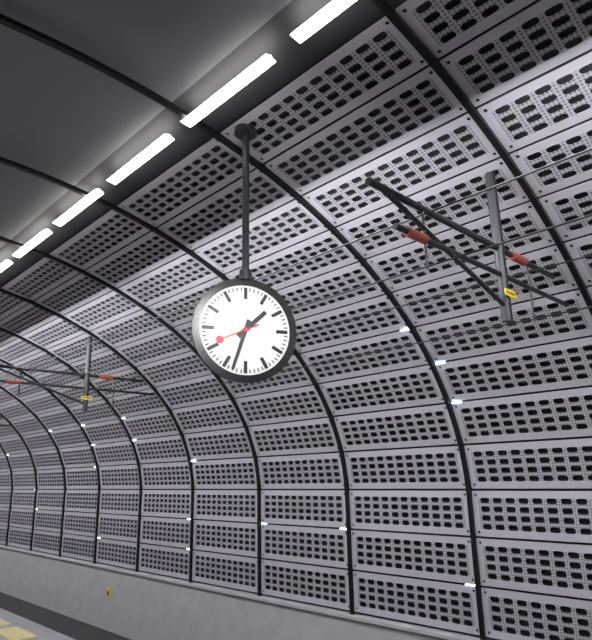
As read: 1.33
